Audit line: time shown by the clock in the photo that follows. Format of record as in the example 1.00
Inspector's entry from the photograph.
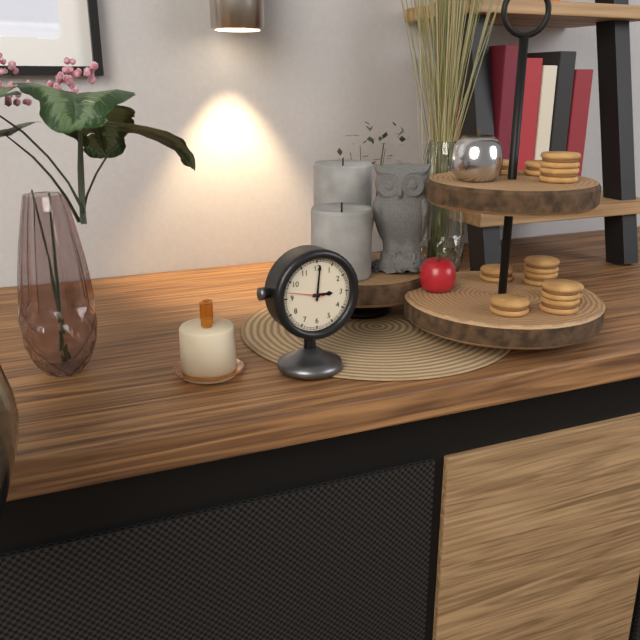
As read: 3.01
